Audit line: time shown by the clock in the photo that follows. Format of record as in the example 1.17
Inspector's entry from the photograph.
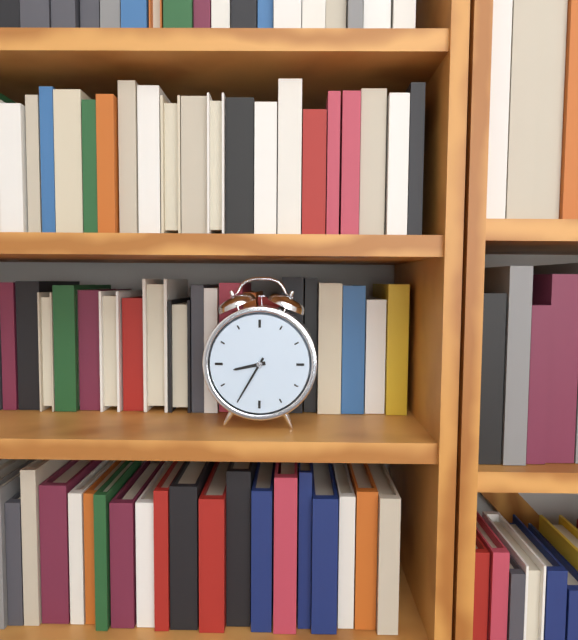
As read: 8.35
